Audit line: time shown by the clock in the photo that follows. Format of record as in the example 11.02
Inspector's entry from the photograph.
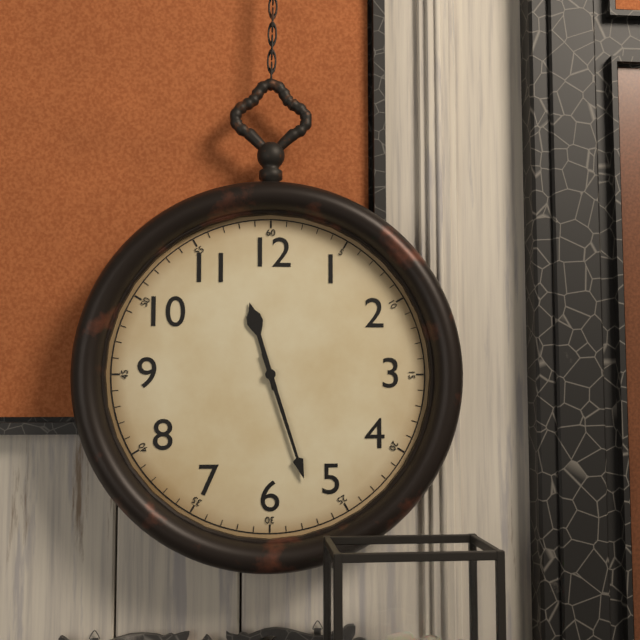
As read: 11.27
